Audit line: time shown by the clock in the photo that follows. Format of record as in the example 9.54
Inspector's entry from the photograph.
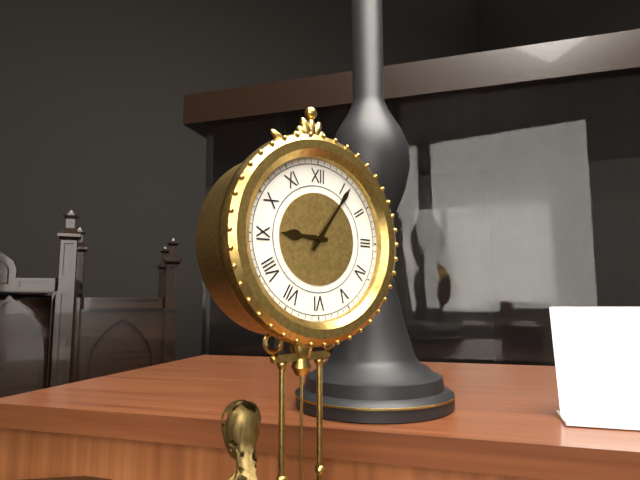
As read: 9.06
